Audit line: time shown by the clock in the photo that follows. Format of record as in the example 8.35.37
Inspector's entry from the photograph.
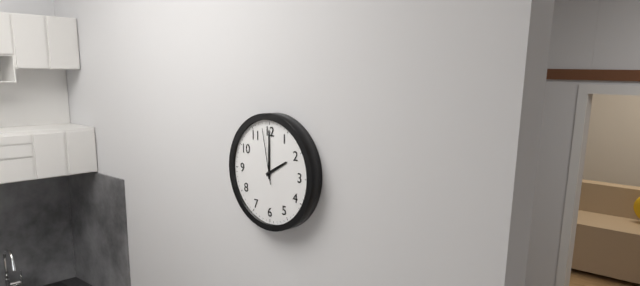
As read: 2.00.58
